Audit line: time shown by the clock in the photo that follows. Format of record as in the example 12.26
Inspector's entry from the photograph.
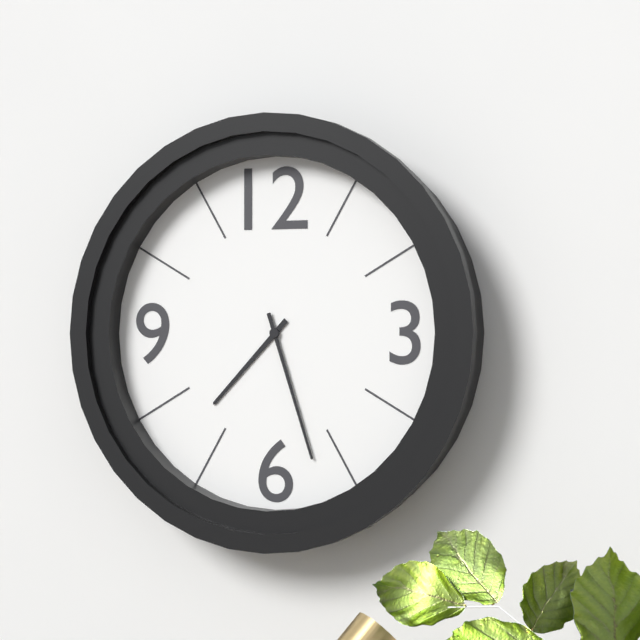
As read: 7.27
